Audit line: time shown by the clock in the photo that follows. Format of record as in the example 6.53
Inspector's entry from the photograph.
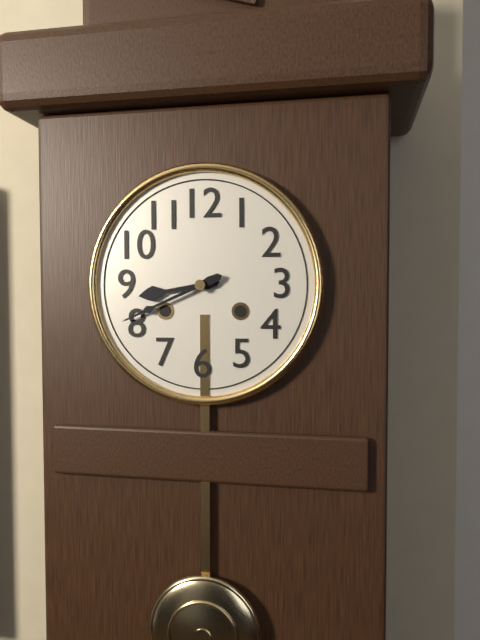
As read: 8.41
